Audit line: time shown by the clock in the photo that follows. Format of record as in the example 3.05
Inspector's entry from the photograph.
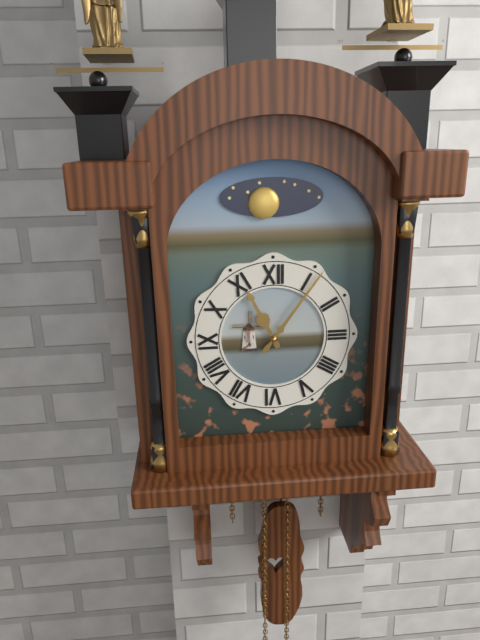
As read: 11.06
